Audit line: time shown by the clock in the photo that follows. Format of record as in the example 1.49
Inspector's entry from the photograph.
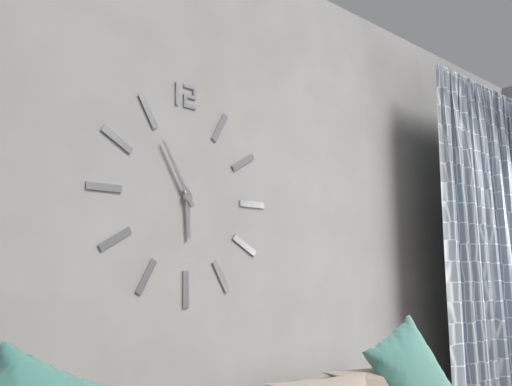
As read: 5.55
